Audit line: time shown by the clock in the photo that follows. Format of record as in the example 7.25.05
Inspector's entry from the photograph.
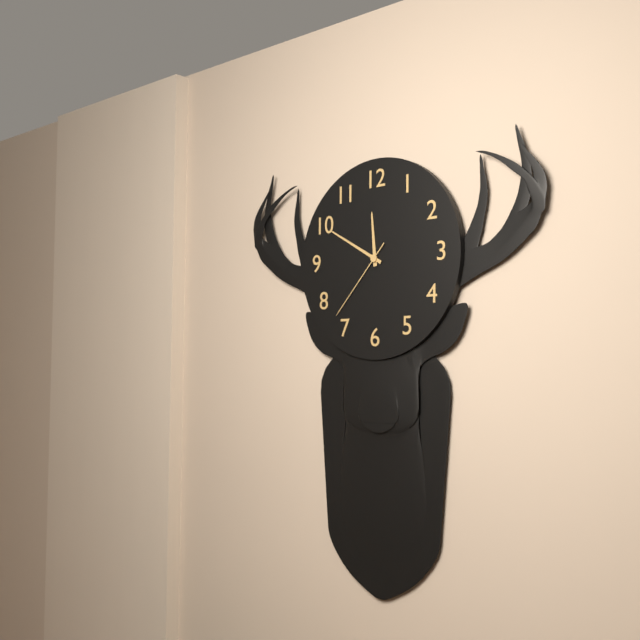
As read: 11.50.37
